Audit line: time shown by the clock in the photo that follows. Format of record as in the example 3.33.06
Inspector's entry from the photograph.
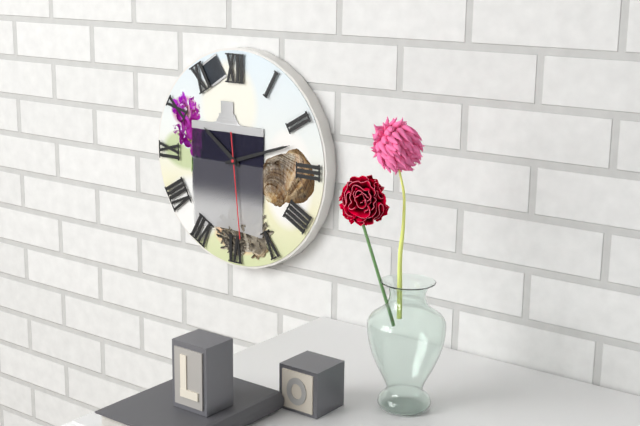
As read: 10.12.29
